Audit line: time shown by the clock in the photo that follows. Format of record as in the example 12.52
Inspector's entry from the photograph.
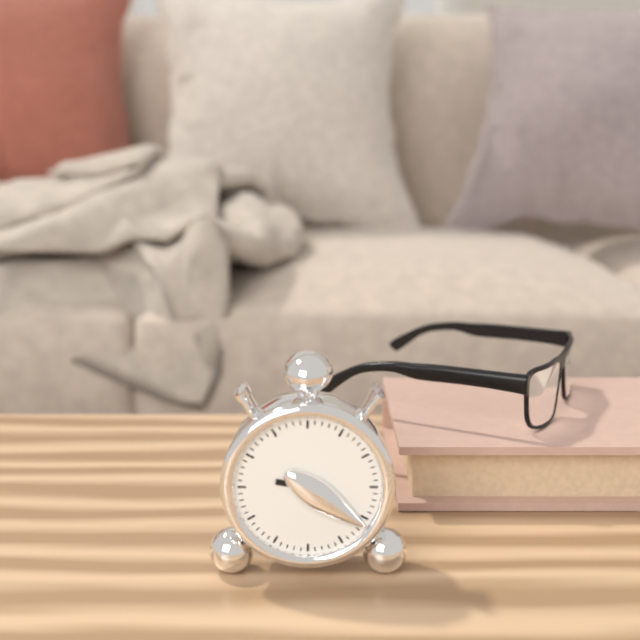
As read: 9.21
